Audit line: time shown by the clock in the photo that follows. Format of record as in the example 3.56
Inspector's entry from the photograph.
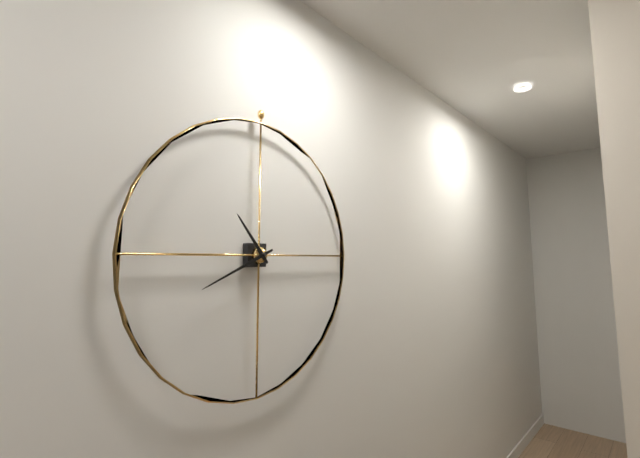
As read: 10.41
